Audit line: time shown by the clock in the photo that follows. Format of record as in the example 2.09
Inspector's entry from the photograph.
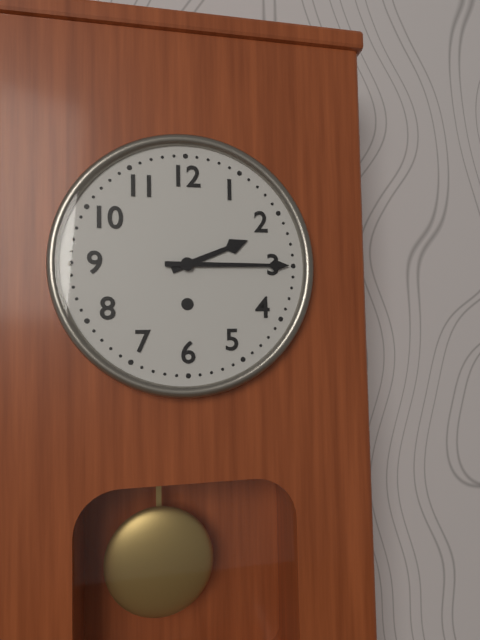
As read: 2.15
